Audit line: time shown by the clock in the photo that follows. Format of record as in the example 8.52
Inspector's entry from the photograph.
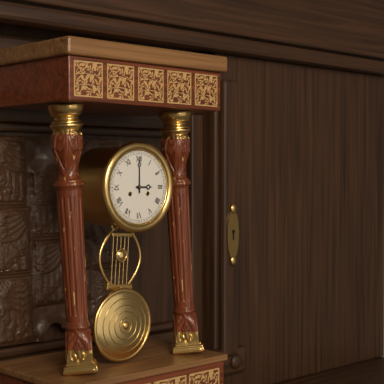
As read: 3.00
